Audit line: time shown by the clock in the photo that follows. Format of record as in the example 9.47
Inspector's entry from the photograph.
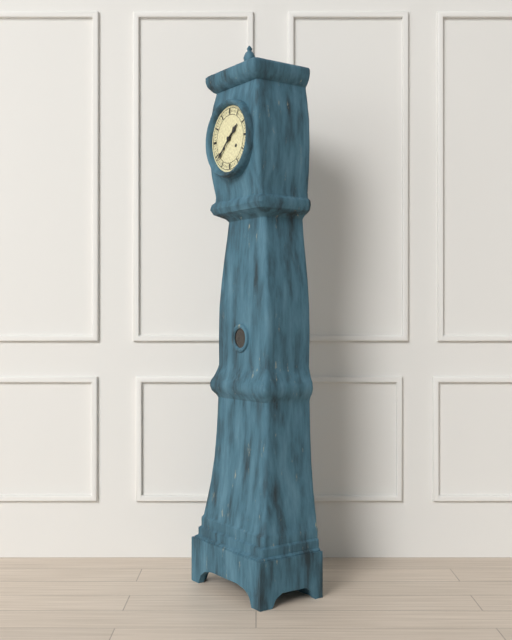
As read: 1.38
